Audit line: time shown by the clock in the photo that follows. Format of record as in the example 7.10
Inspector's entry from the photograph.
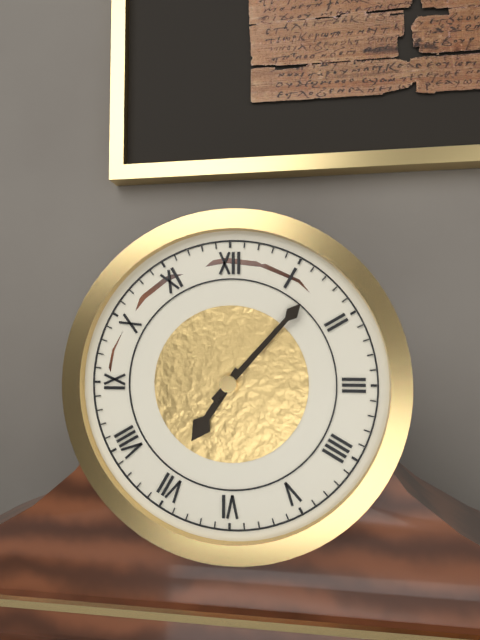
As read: 7.07
